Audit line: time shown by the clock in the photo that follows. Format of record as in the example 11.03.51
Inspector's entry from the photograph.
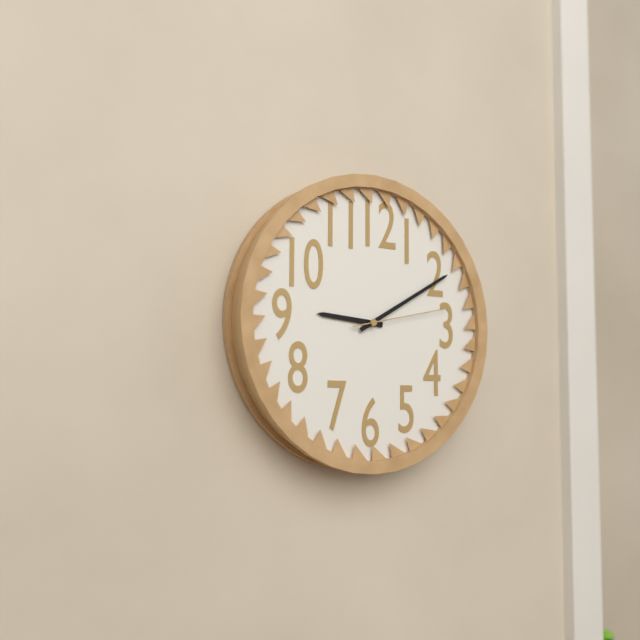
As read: 9.10.13
